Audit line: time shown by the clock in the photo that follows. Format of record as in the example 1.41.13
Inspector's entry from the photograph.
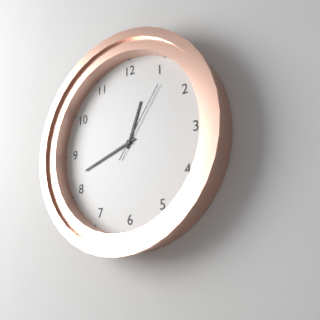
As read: 12.42.06
